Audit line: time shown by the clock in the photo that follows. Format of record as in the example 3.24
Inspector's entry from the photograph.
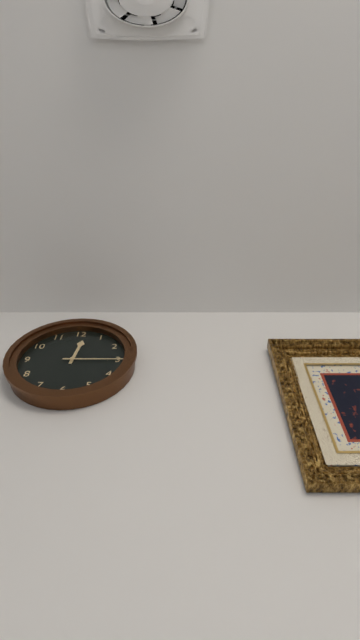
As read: 12.15
